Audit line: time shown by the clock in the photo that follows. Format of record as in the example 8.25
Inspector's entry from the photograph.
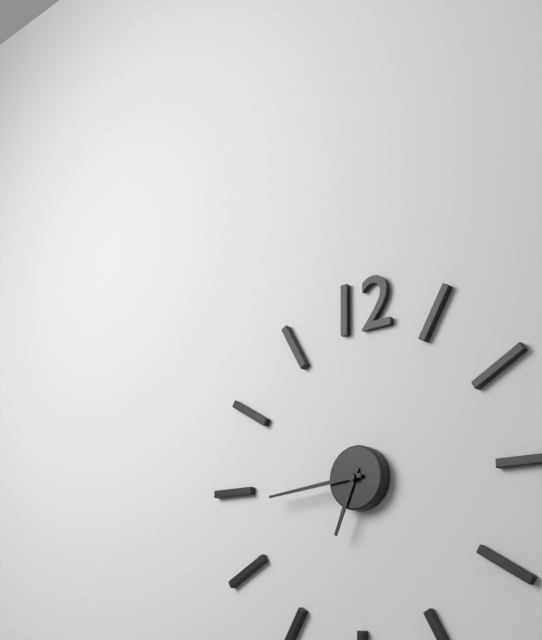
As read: 6.44
